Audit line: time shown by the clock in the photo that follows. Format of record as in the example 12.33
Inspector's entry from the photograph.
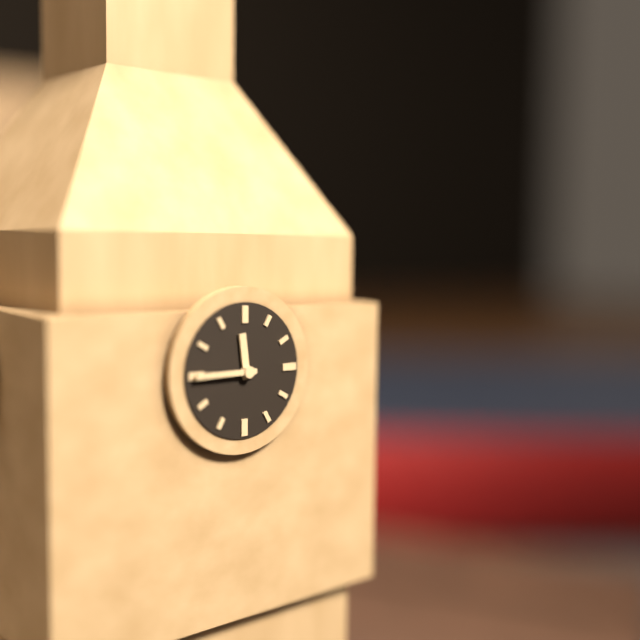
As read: 11.45
